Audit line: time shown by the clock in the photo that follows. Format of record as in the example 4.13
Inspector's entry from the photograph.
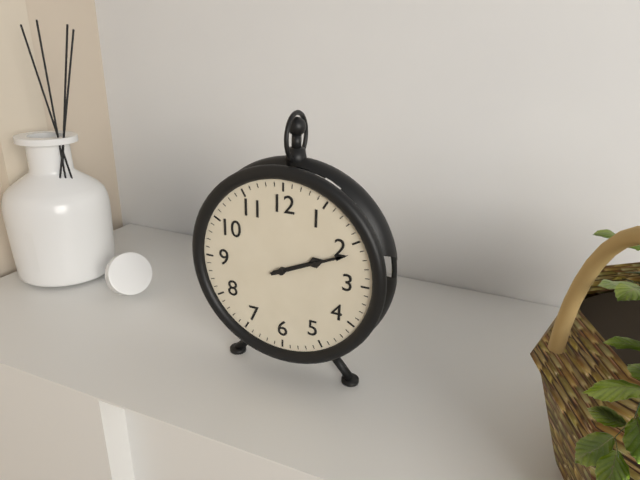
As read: 2.11
